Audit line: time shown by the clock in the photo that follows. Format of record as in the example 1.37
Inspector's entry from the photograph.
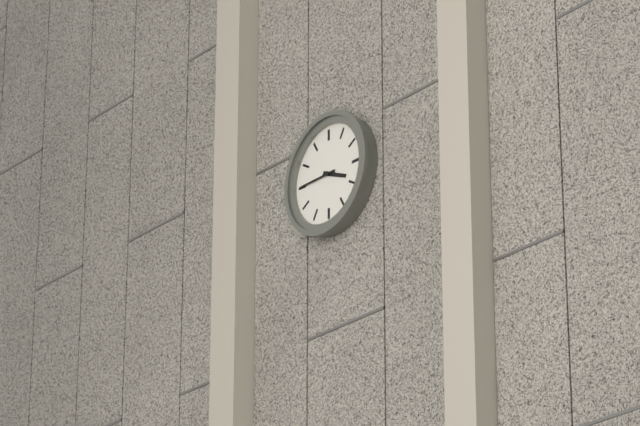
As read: 3.45
